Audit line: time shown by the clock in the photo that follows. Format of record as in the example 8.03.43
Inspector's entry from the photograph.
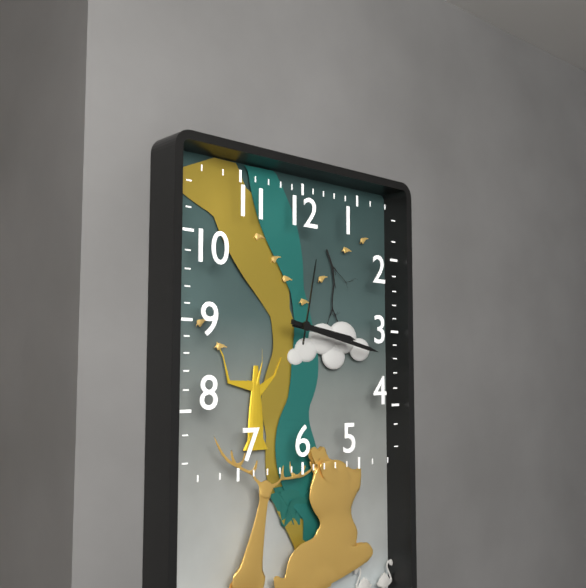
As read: 3.17.02
